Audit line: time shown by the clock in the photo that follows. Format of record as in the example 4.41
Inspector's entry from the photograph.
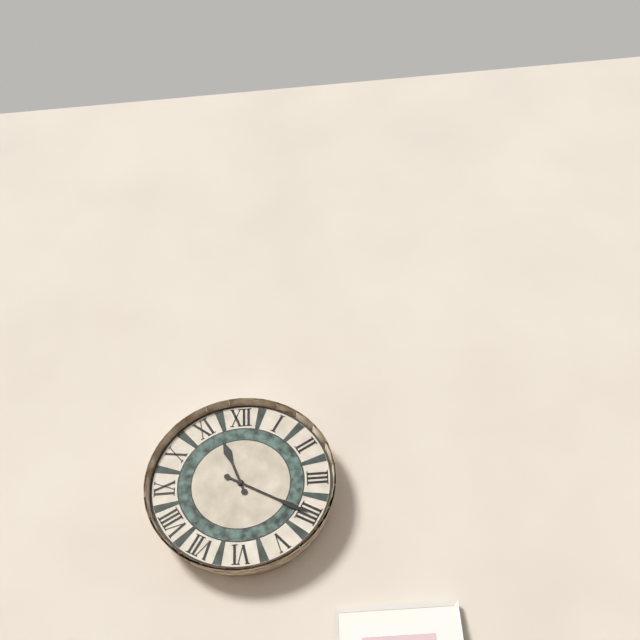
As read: 11.20
